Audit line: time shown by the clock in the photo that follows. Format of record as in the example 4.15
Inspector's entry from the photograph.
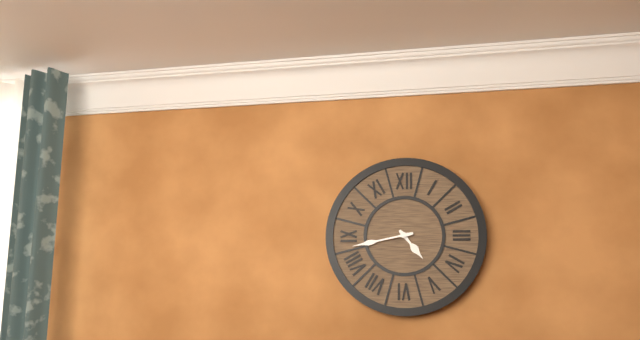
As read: 4.43
